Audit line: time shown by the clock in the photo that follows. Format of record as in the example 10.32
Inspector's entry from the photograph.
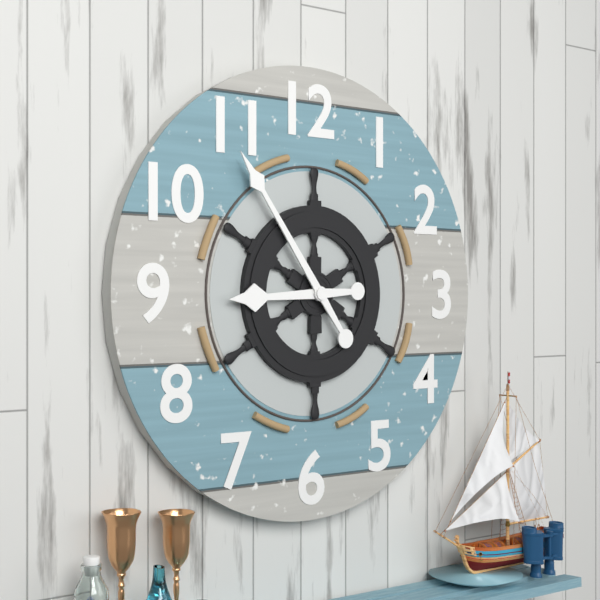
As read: 8.54
